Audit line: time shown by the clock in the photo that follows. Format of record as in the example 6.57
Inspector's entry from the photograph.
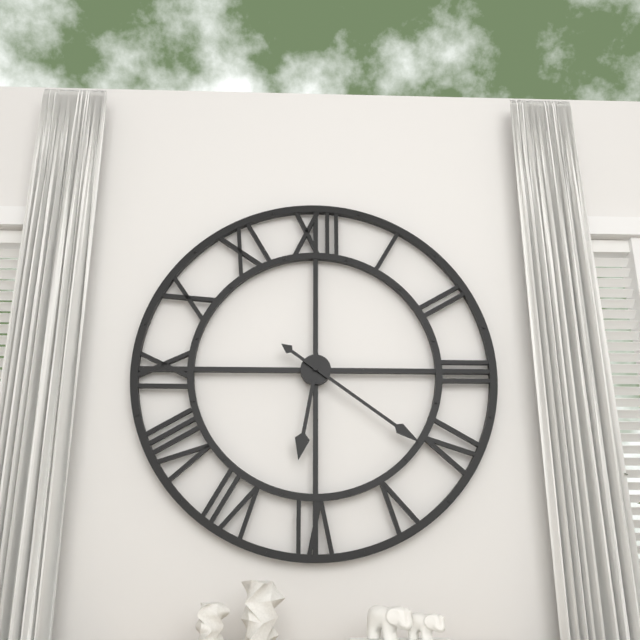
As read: 6.21
